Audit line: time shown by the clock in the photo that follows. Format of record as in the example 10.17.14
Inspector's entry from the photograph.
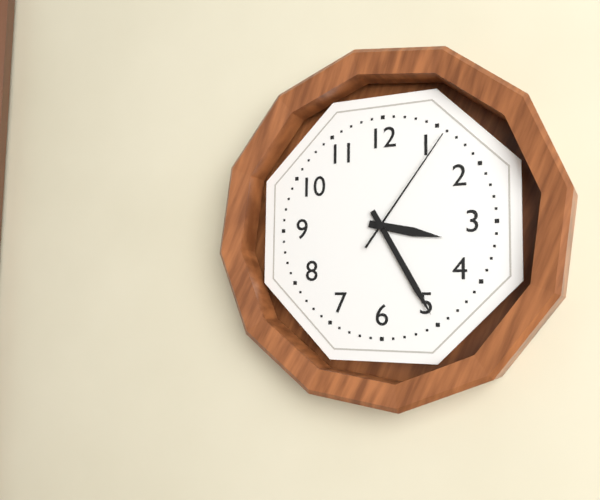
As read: 3.25.06
